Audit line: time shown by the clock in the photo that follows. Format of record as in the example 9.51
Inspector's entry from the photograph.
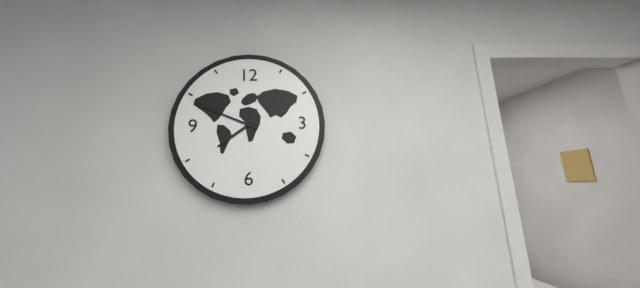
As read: 7.49
